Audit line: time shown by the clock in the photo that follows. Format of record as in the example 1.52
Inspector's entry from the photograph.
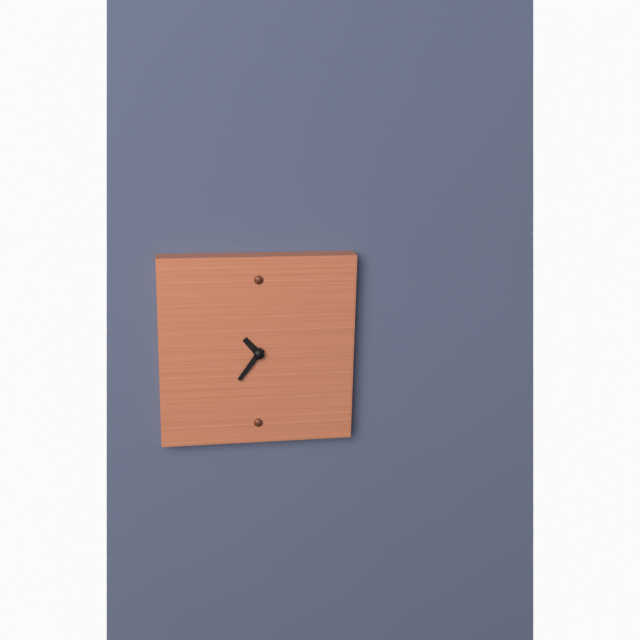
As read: 10.36
